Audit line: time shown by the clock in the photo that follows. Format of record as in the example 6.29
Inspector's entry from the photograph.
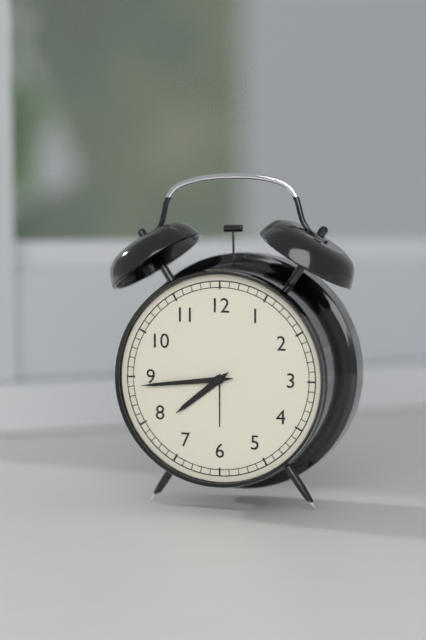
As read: 7.44
